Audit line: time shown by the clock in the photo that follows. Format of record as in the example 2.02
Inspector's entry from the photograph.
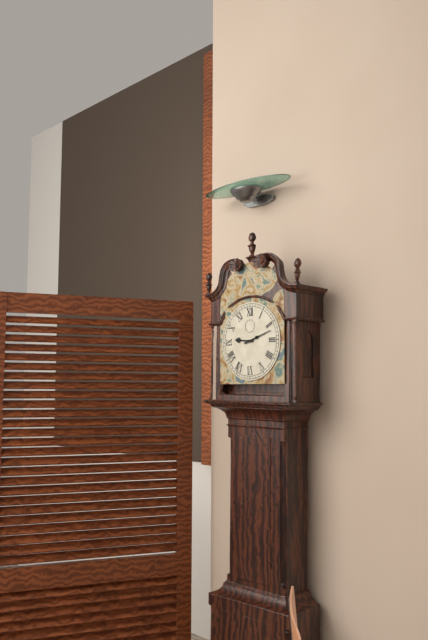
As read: 9.12
